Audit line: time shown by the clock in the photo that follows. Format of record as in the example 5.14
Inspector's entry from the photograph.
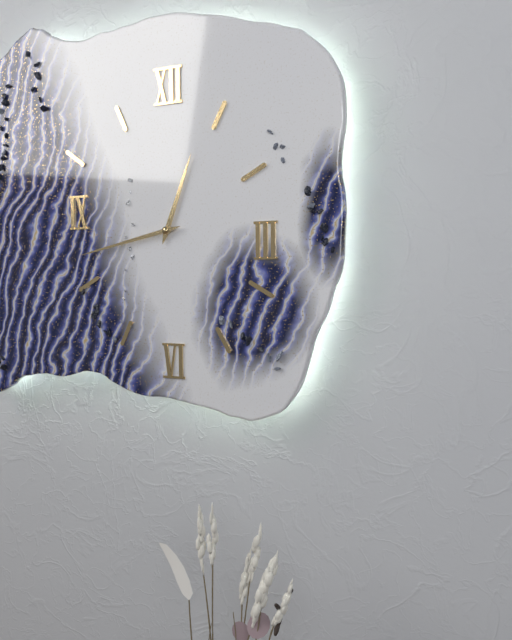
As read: 12.43
